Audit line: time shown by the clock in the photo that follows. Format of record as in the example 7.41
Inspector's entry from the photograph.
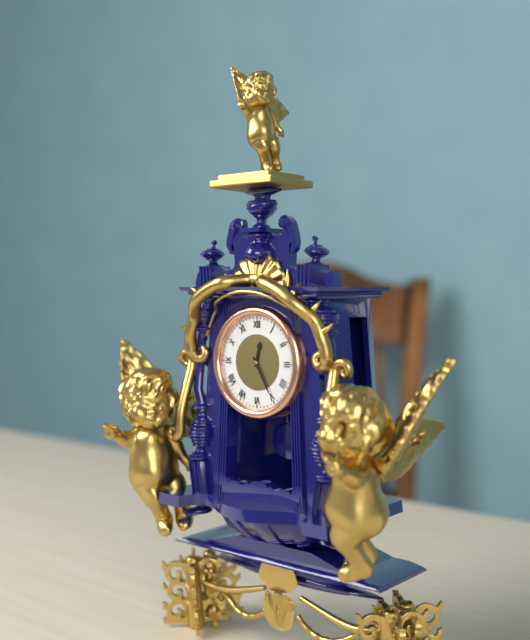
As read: 12.25
